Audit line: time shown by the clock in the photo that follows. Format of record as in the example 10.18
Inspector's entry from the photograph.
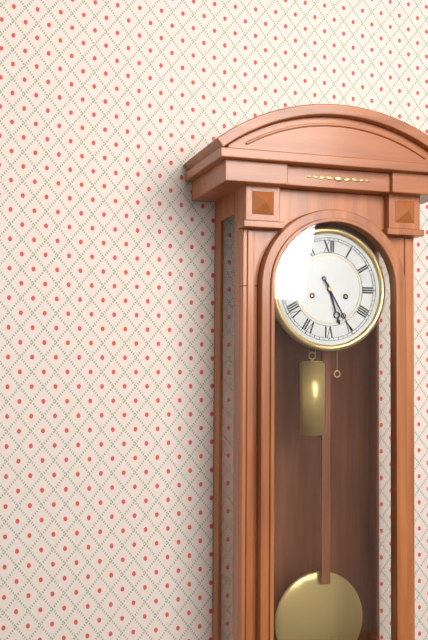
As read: 5.25
